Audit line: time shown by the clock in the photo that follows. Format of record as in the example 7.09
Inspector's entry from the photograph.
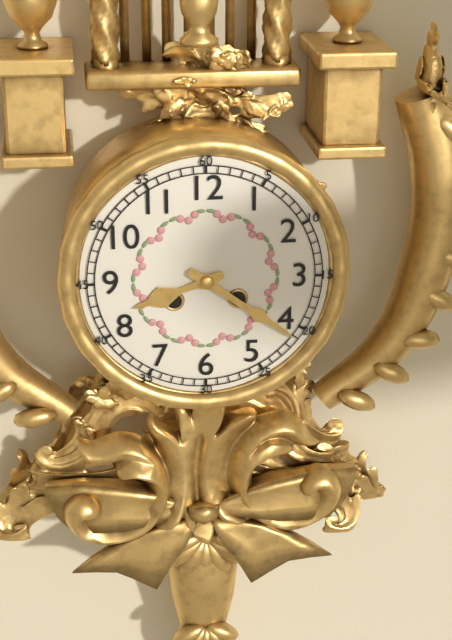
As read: 8.21
